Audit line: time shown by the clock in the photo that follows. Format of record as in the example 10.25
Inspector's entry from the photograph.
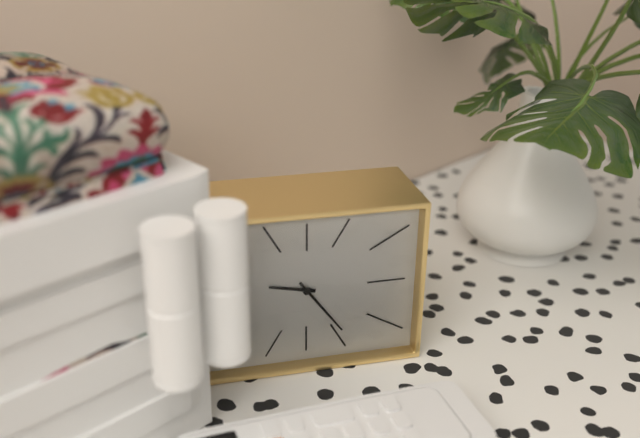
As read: 9.24
